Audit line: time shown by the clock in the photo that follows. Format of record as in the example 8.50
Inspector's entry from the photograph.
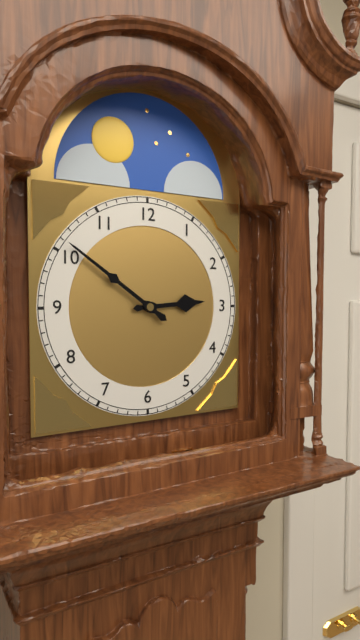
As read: 2.51
